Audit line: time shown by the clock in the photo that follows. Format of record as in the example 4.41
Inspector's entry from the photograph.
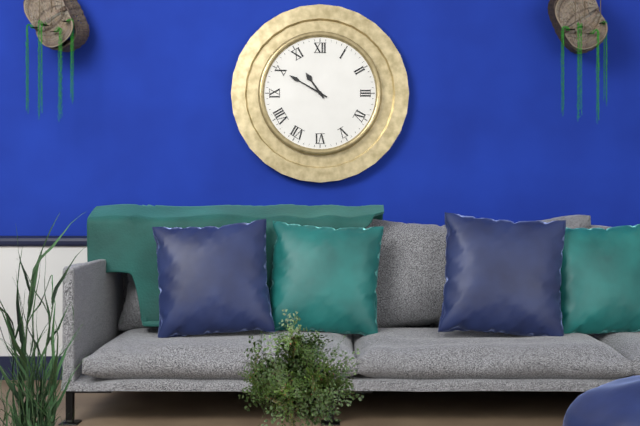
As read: 10.50
